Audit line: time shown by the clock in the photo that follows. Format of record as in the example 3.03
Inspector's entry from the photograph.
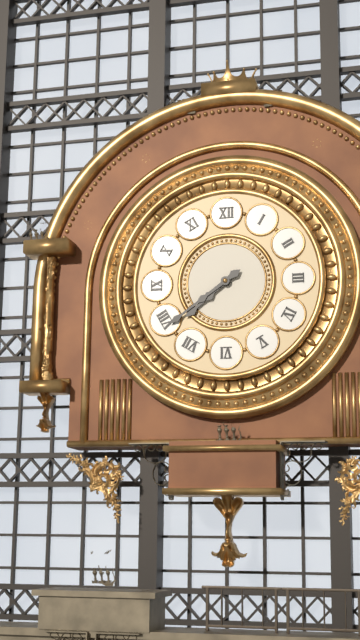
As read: 7.39
